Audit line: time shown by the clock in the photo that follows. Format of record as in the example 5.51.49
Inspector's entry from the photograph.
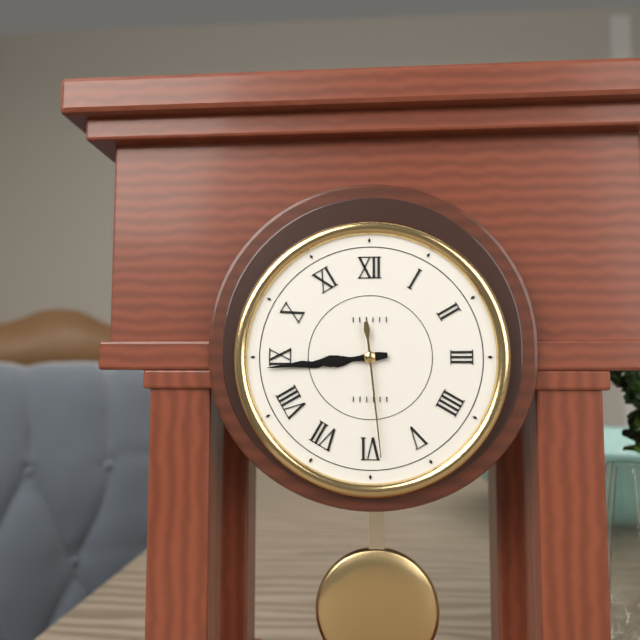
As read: 8.44.29
